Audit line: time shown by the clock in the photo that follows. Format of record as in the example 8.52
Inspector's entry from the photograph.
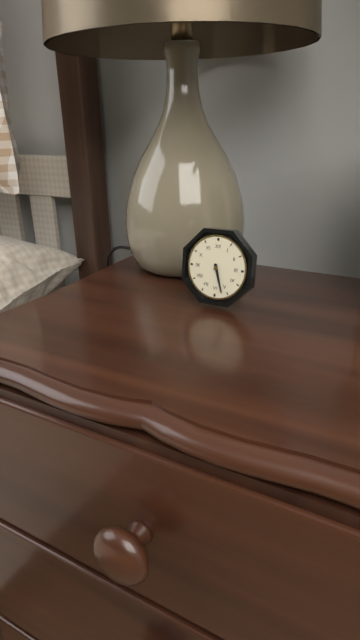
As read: 5.27
